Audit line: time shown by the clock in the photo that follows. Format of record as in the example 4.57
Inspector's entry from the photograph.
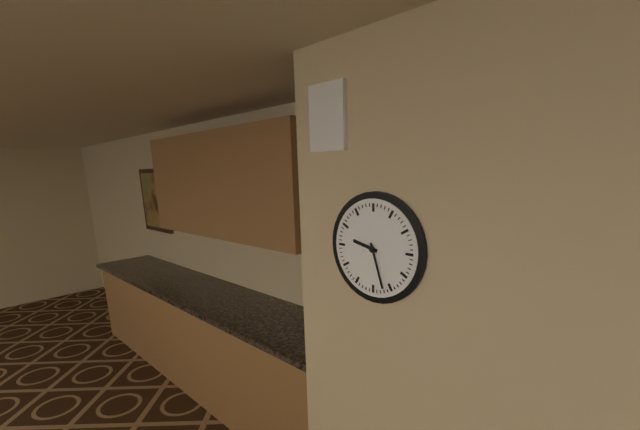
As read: 9.27
